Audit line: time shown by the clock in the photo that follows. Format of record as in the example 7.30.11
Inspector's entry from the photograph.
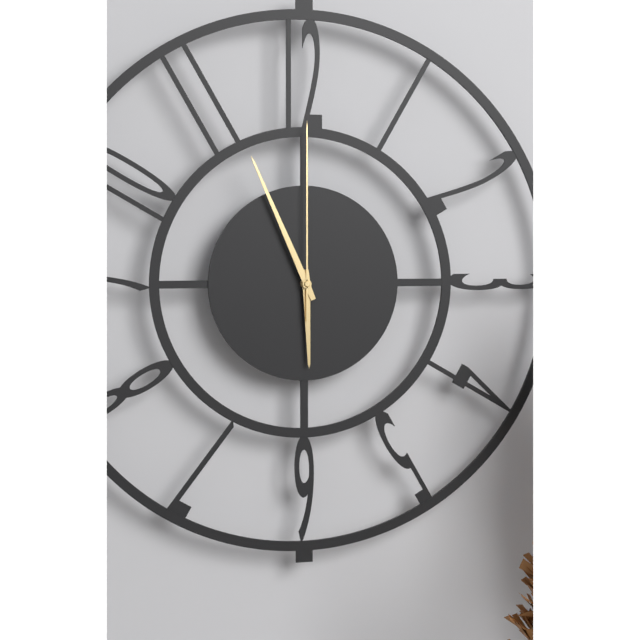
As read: 5.56.00
